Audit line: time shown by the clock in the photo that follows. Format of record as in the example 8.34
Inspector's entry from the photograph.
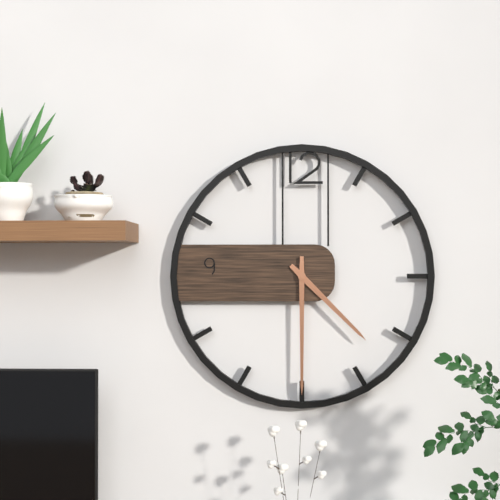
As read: 4.30
